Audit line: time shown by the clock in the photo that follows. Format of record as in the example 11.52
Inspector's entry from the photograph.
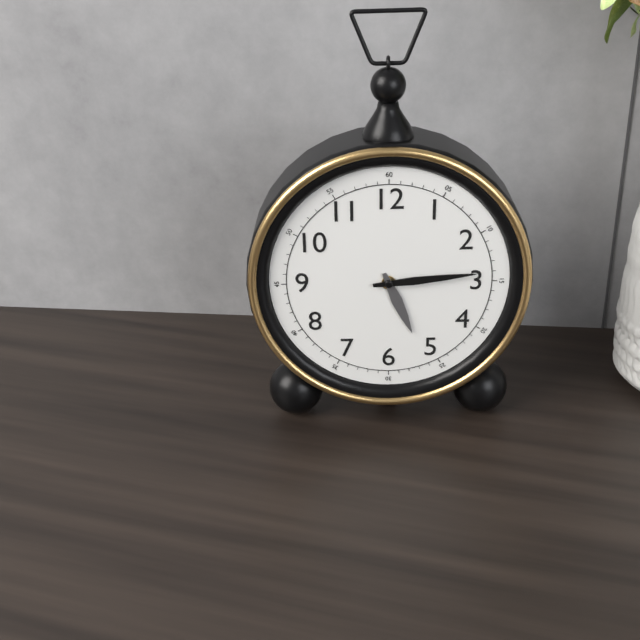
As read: 5.14
